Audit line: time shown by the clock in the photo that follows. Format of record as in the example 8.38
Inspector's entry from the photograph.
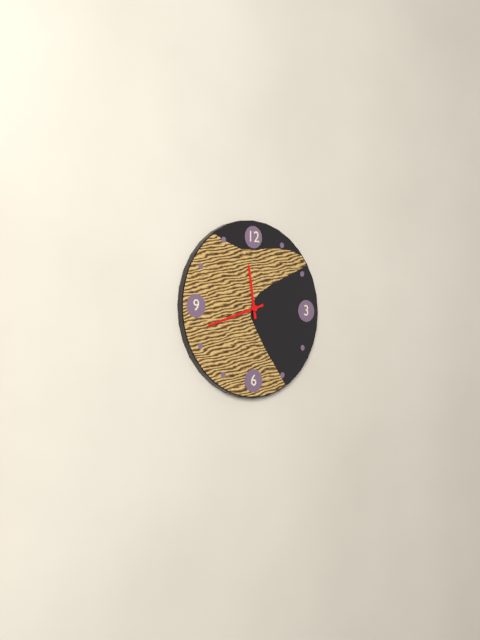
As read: 11.42
